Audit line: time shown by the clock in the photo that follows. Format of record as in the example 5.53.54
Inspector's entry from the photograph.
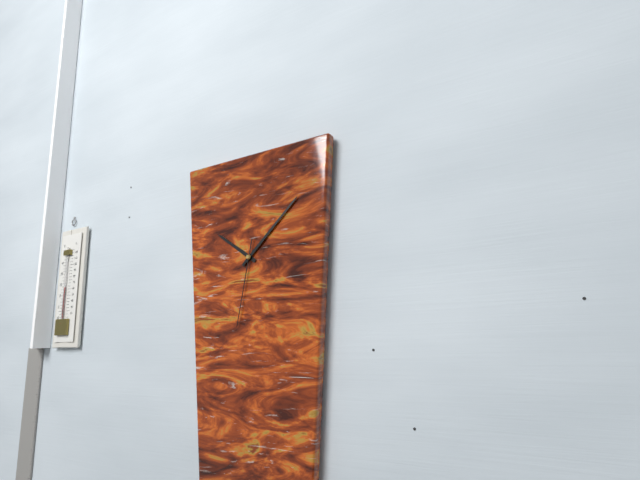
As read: 10.08.32
